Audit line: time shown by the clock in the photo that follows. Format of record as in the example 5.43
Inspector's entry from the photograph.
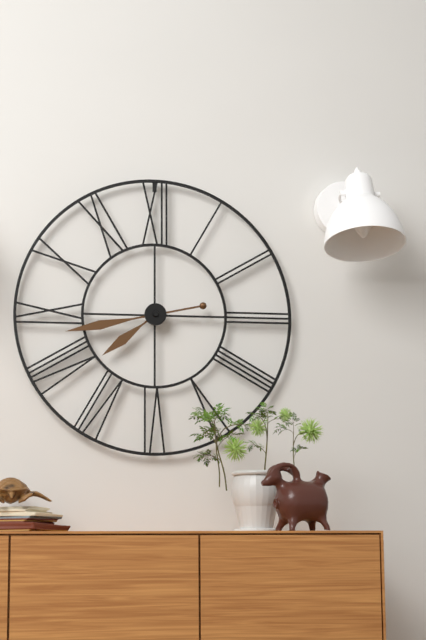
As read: 7.43
